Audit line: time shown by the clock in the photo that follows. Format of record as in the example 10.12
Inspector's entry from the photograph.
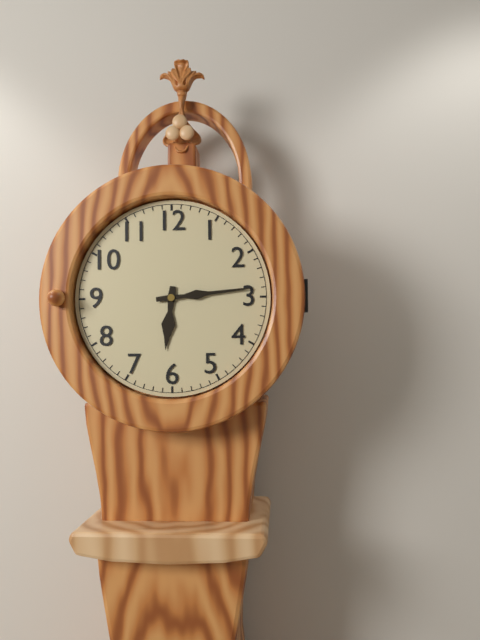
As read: 6.14
